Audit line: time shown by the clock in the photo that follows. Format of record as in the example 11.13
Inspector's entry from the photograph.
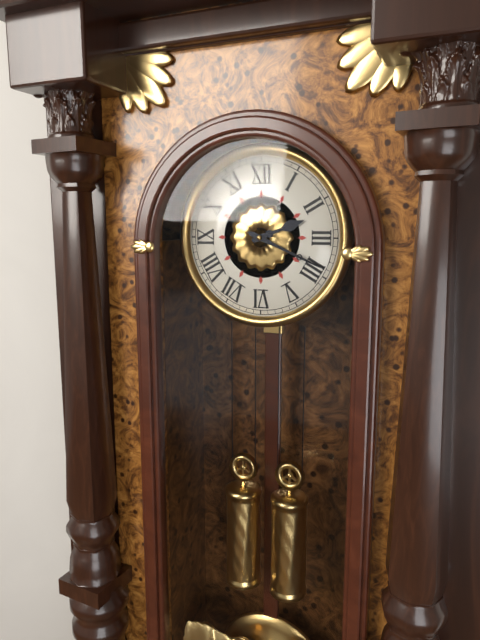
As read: 2.19
